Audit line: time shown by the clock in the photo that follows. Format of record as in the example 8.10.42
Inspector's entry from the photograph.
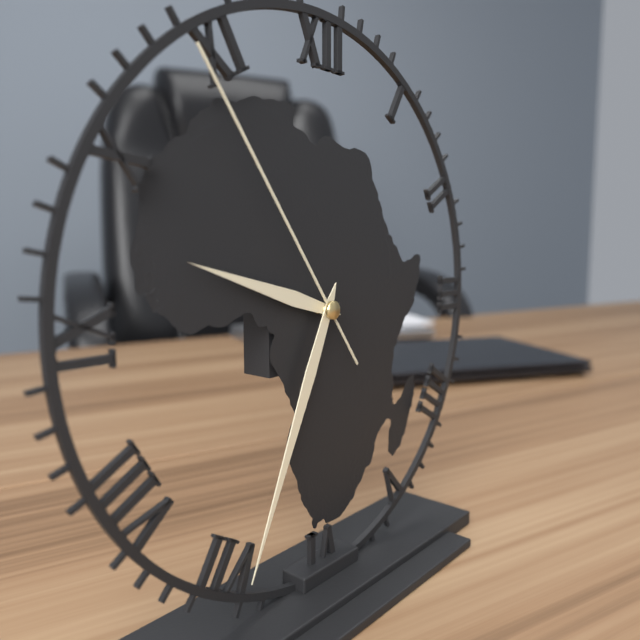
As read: 9.34.54
